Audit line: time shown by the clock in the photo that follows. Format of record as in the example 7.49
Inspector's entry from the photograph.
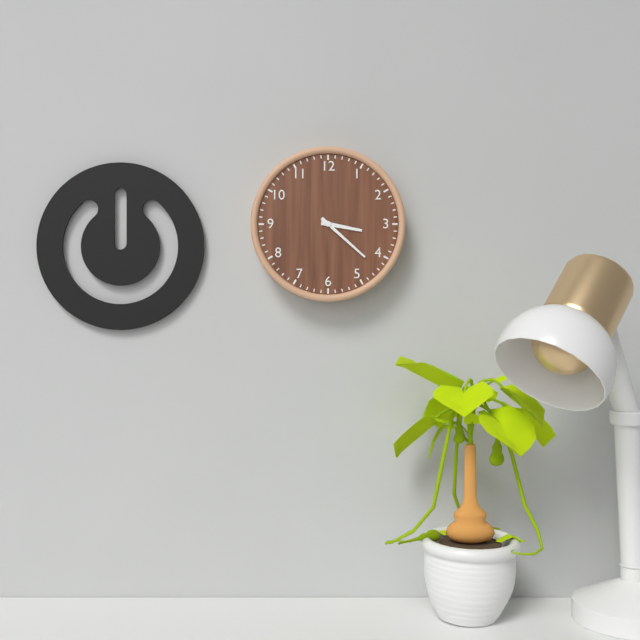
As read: 3.22
